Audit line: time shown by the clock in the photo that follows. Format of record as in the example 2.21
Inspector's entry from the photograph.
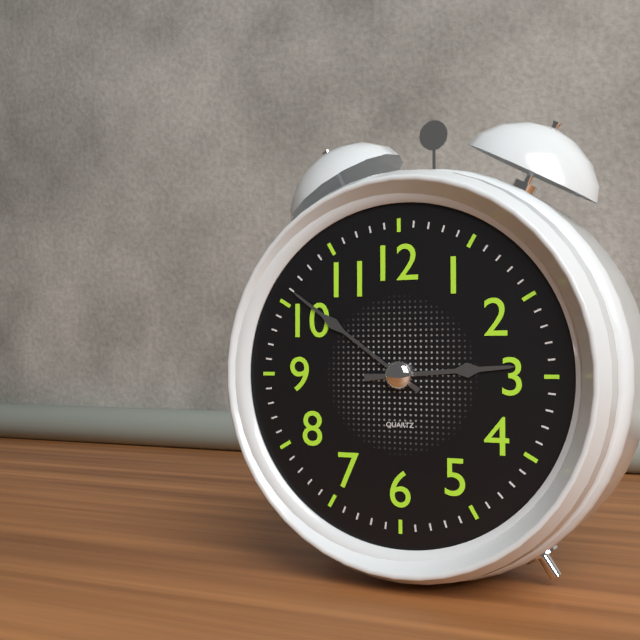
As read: 2.51
